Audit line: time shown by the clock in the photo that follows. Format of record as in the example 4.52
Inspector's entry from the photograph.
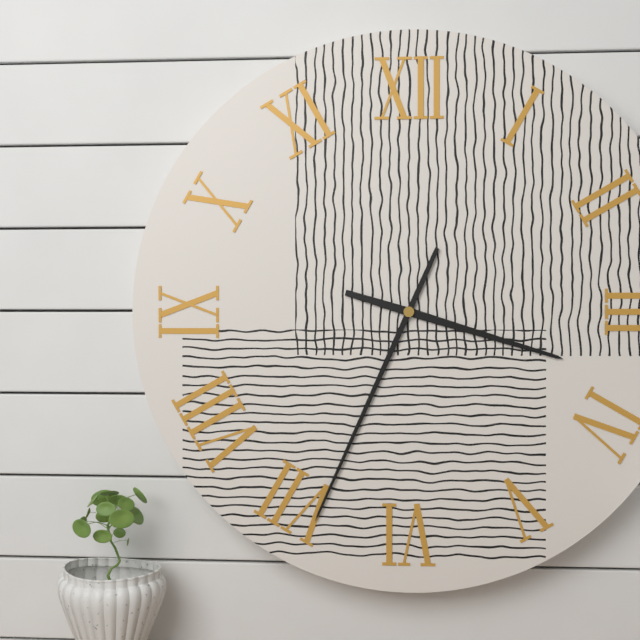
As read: 3.34
